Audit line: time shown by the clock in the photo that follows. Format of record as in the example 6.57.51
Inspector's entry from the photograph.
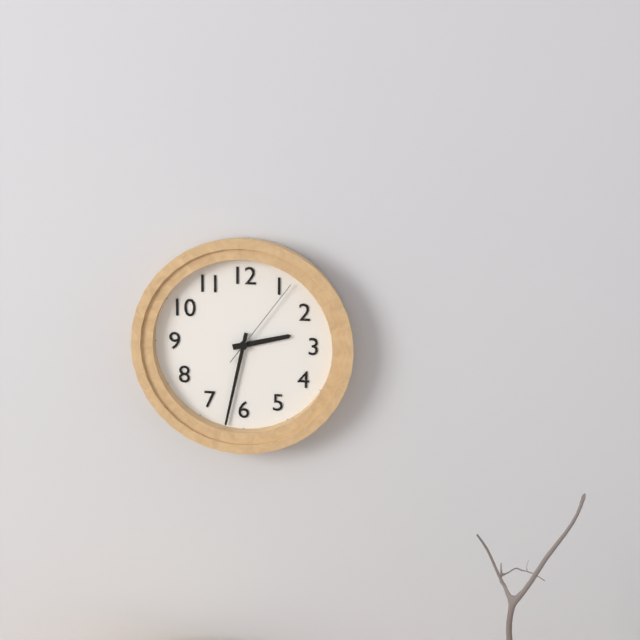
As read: 2.32.06
